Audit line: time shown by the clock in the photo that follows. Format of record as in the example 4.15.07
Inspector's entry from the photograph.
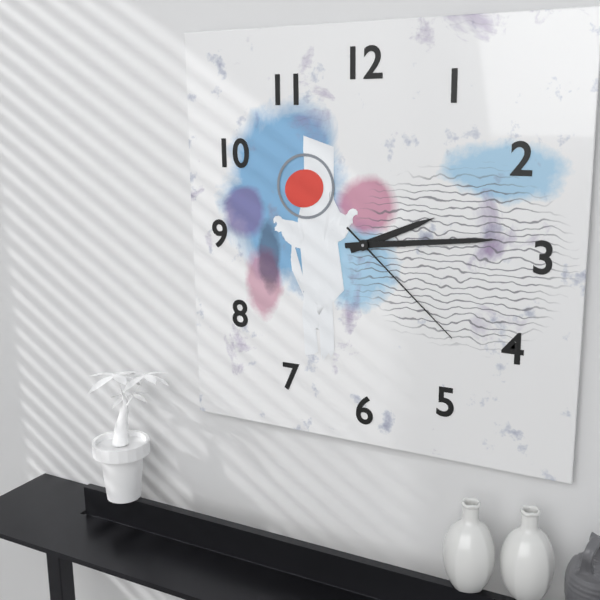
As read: 2.14.22
